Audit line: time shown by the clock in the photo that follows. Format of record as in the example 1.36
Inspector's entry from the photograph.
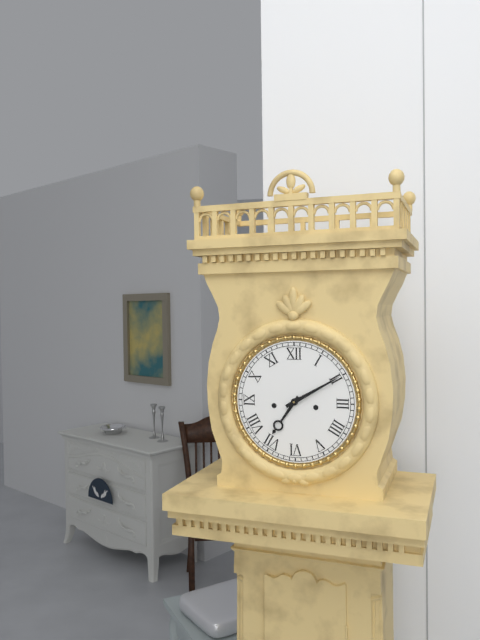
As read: 7.10
